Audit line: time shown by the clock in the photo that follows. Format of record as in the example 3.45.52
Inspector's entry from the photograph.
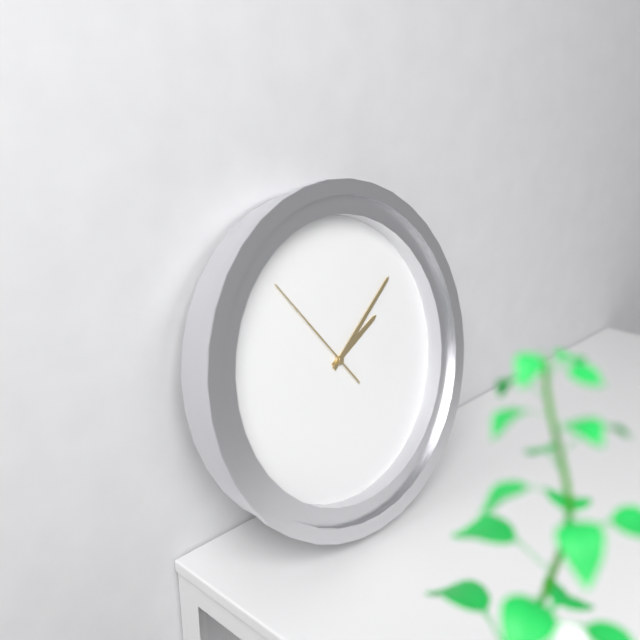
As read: 2.09.54
